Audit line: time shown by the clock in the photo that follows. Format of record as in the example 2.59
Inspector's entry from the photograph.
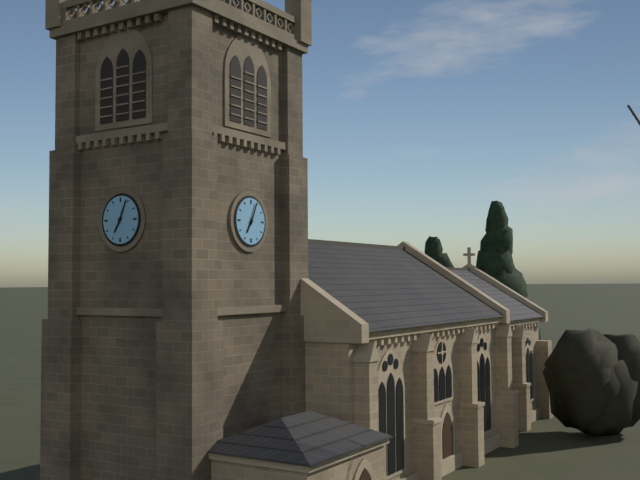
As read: 7.04
